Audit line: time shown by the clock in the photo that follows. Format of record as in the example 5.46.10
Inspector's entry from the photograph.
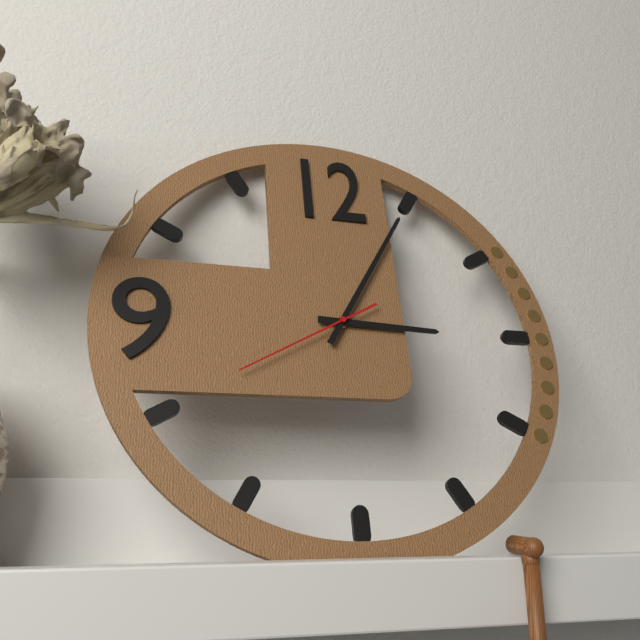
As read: 3.05.40
